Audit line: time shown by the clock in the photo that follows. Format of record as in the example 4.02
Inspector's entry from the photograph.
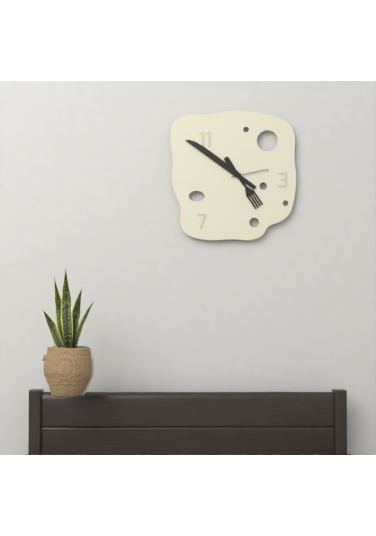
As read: 4.51
